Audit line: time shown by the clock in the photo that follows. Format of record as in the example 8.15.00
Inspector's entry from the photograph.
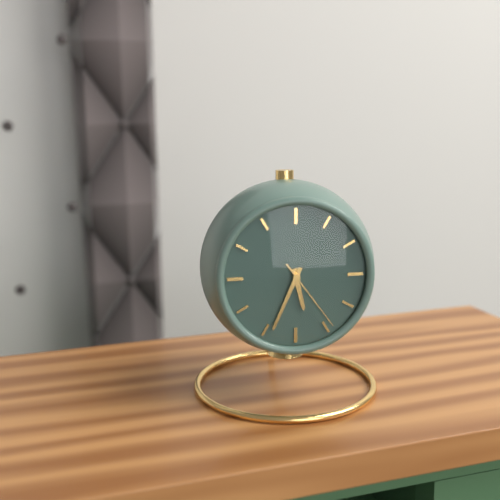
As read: 5.34.24
